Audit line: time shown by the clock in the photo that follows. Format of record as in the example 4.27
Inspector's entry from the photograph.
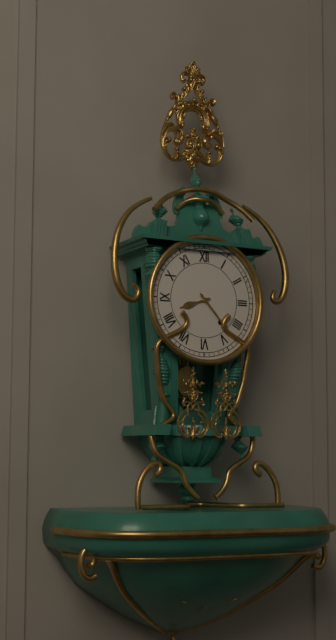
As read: 8.23
